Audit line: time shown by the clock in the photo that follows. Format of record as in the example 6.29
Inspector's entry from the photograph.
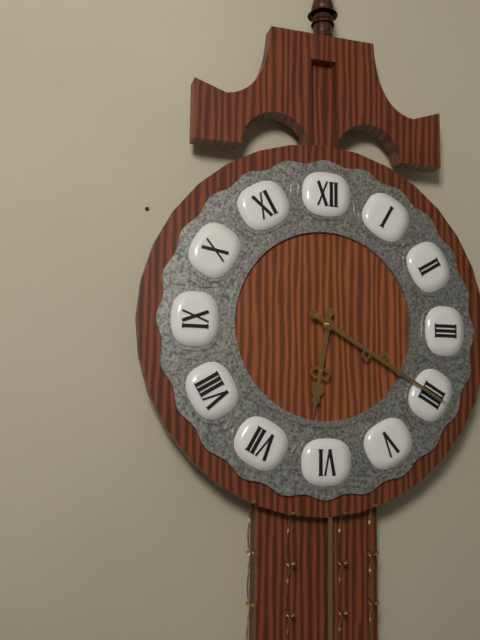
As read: 6.20
